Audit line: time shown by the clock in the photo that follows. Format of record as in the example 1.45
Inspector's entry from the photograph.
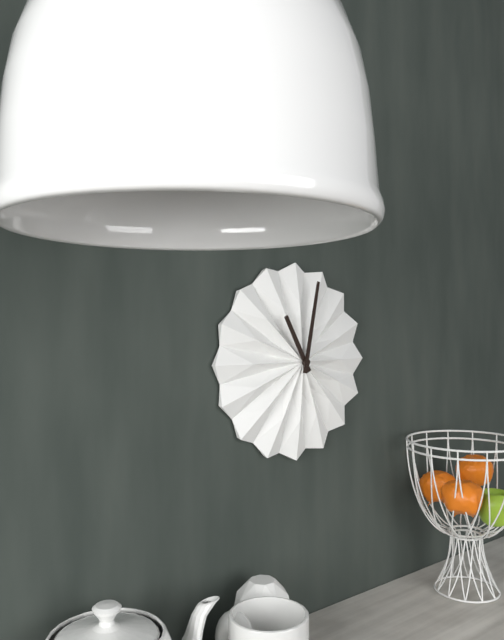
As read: 11.02
